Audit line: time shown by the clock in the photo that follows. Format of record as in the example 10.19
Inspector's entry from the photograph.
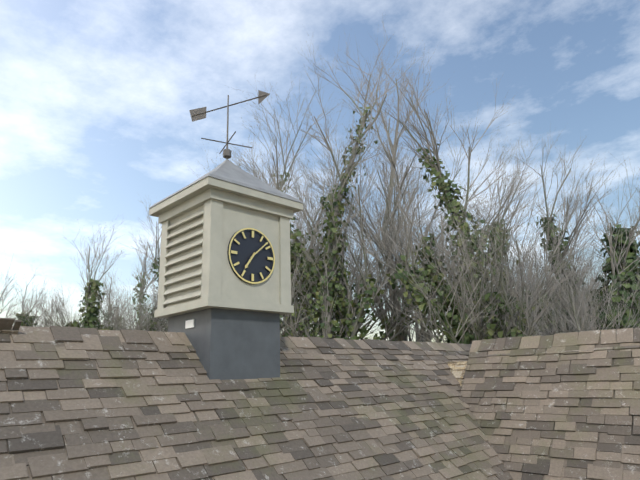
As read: 7.08
